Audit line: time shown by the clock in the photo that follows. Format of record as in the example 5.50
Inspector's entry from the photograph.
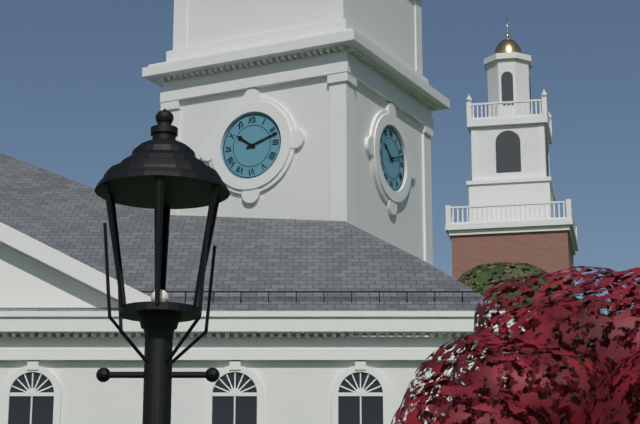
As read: 10.12
